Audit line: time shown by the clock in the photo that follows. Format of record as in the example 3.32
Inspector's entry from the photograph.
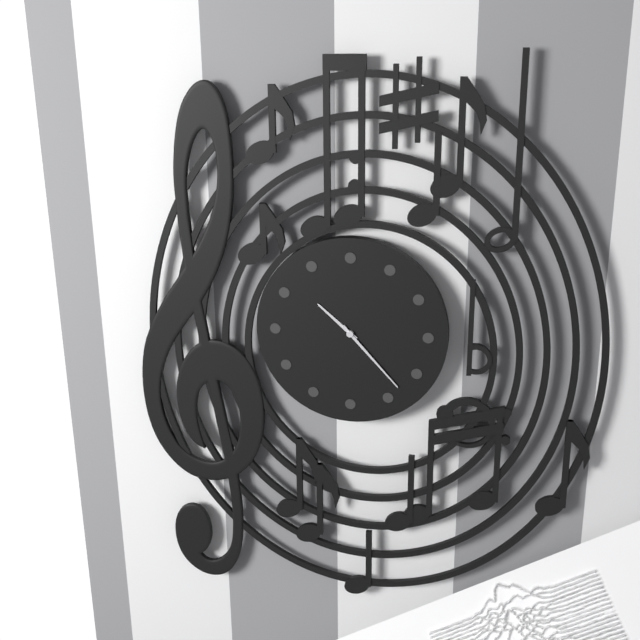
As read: 10.23
